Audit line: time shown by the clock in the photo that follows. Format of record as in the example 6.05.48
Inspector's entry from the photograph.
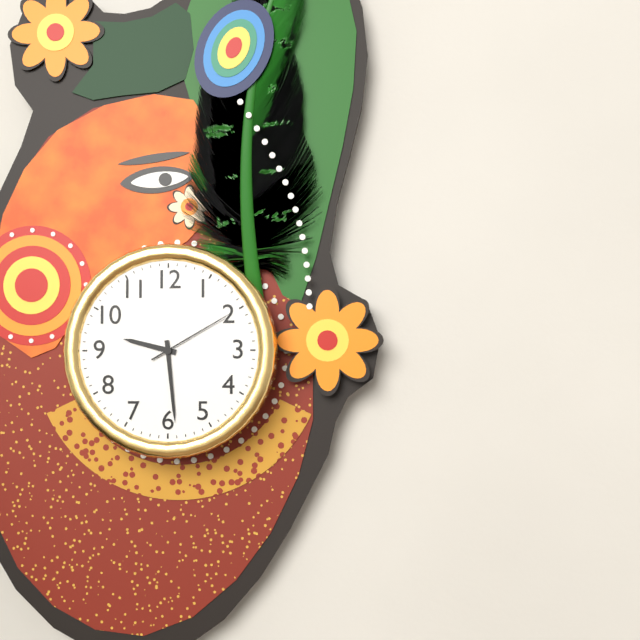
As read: 9.29.10
